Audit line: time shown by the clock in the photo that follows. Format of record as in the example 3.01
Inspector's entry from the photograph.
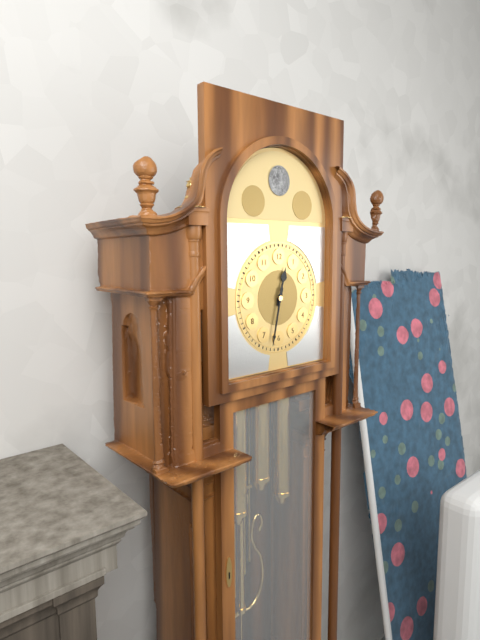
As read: 12.32
